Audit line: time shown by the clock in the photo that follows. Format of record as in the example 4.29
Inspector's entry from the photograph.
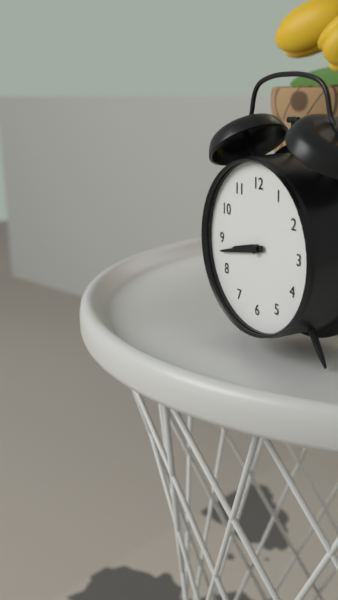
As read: 8.43
